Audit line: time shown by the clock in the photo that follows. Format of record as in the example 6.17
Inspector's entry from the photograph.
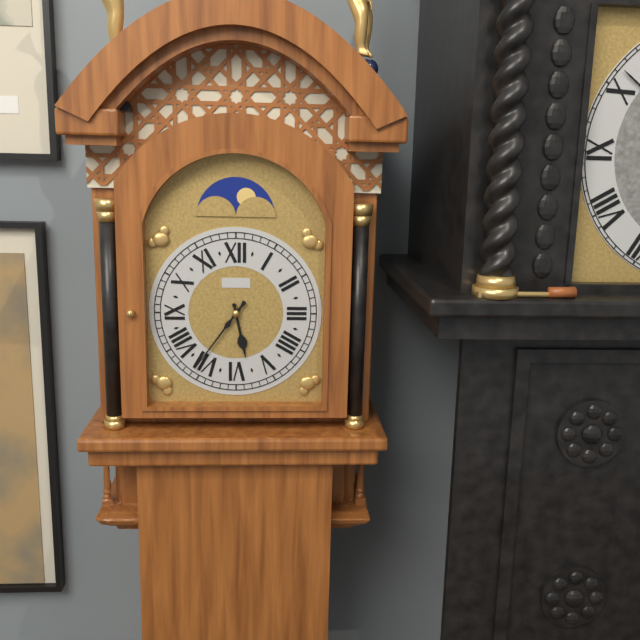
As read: 5.36
